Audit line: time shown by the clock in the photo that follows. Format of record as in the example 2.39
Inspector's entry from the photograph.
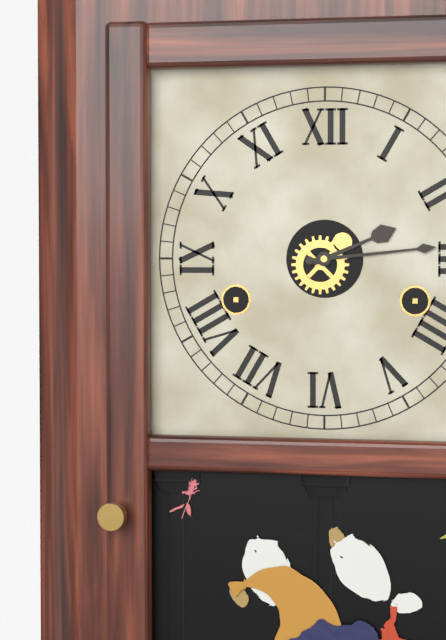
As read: 2.14
